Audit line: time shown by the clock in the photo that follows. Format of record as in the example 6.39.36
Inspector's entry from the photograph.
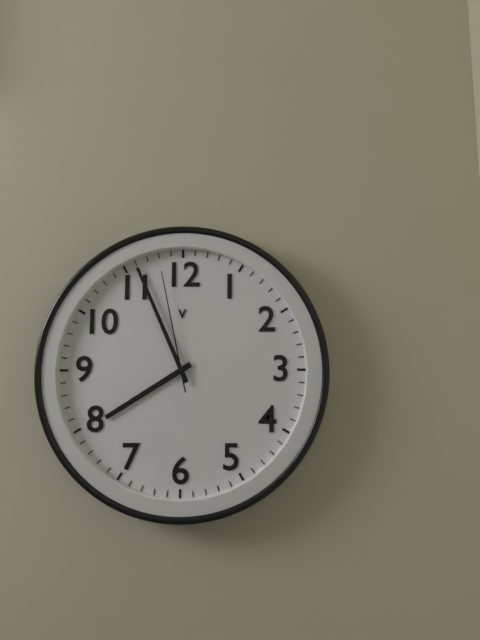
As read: 7.56.58
